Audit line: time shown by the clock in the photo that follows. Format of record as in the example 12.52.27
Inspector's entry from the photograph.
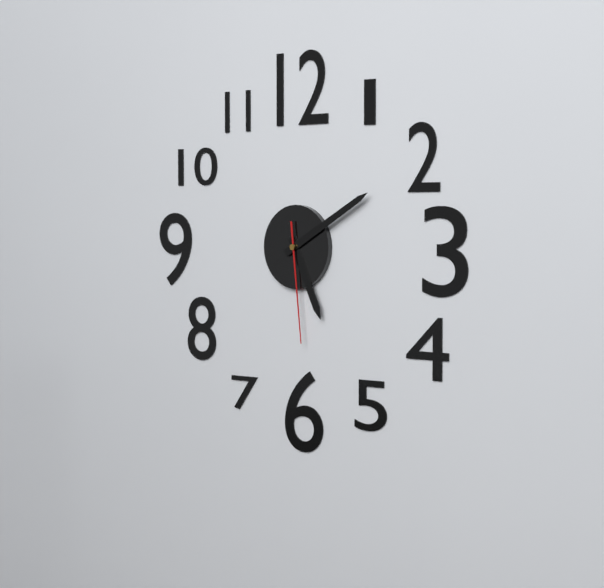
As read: 5.10.29
